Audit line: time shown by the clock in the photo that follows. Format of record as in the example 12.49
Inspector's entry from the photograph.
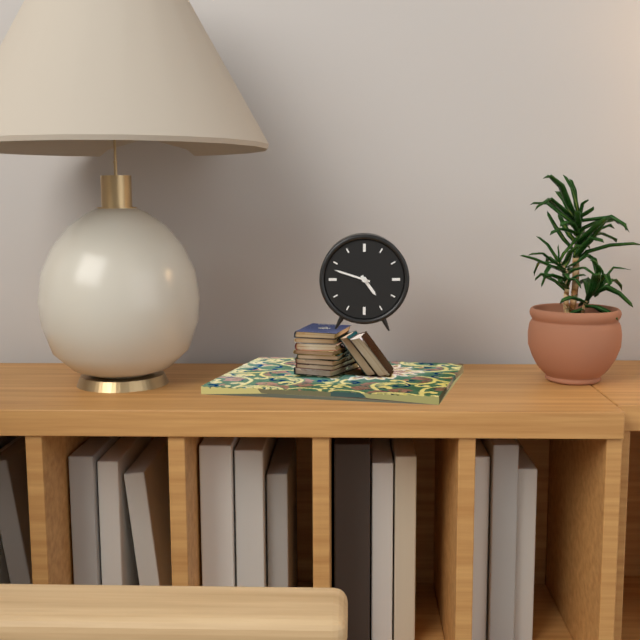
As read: 4.48
